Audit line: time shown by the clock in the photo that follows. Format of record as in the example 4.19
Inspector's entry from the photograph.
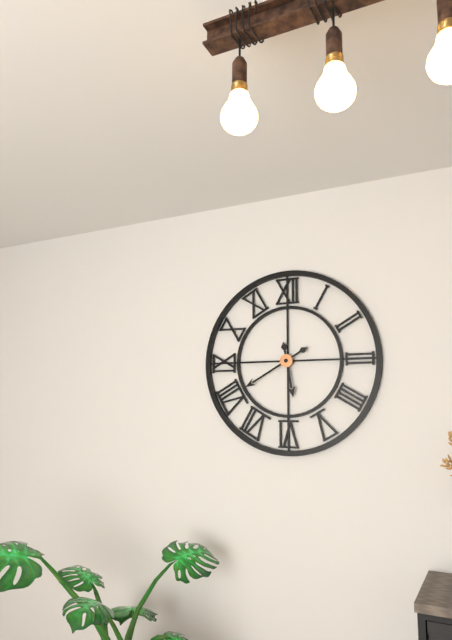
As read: 5.40
